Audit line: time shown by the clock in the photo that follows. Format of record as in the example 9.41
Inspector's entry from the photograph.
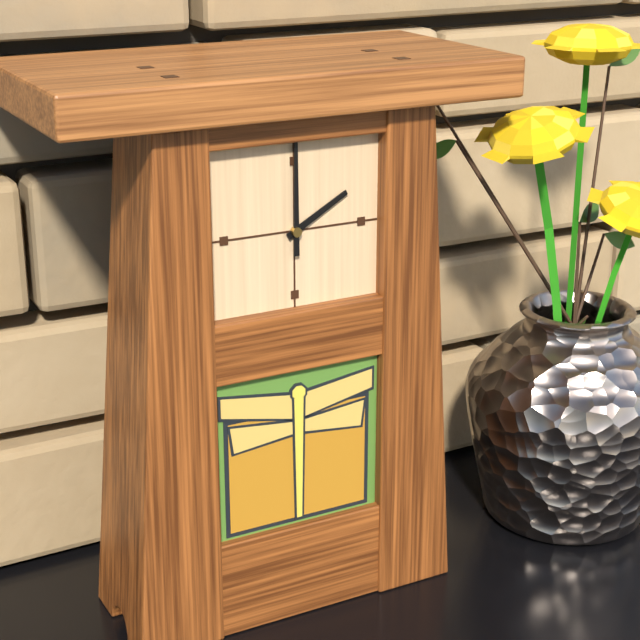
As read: 2.00
